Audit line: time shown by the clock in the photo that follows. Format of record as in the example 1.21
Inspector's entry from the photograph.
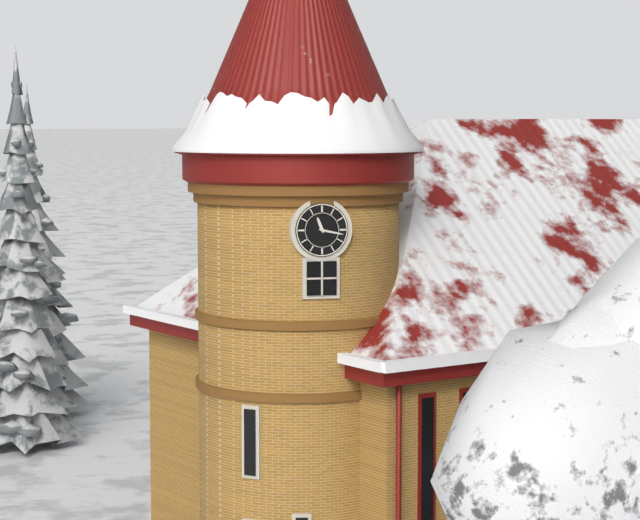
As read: 11.17
